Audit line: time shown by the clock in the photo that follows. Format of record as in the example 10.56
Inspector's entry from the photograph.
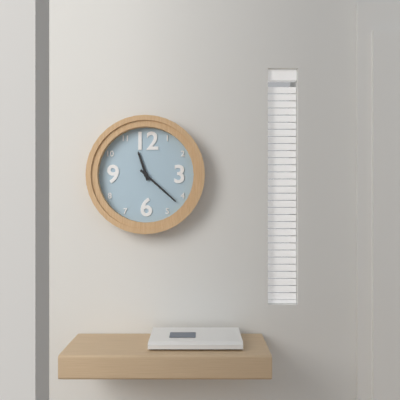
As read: 11.22
